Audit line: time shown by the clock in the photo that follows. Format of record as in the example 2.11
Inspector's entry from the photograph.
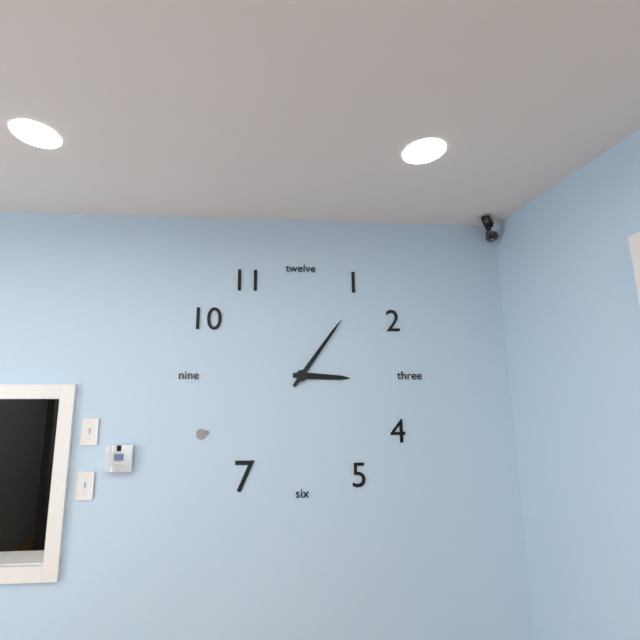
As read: 3.06
